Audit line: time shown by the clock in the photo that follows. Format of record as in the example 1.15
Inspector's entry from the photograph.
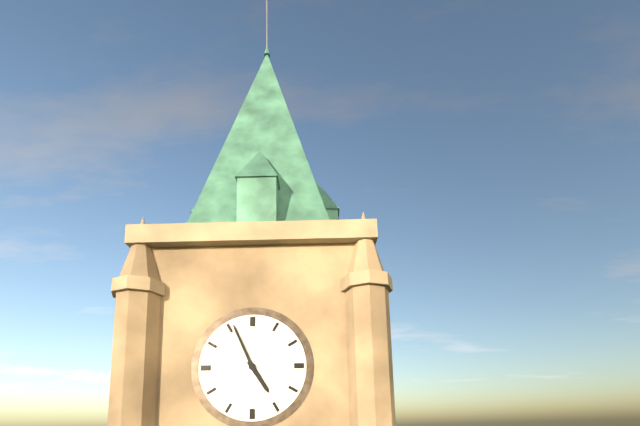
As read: 4.56
